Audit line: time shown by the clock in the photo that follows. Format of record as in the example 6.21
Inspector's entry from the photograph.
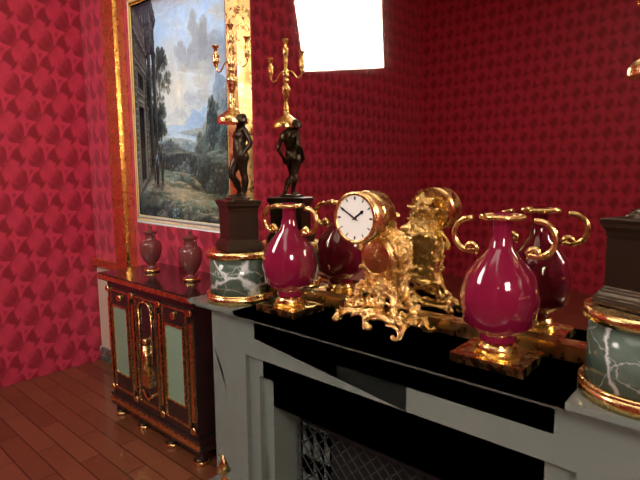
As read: 1.50
